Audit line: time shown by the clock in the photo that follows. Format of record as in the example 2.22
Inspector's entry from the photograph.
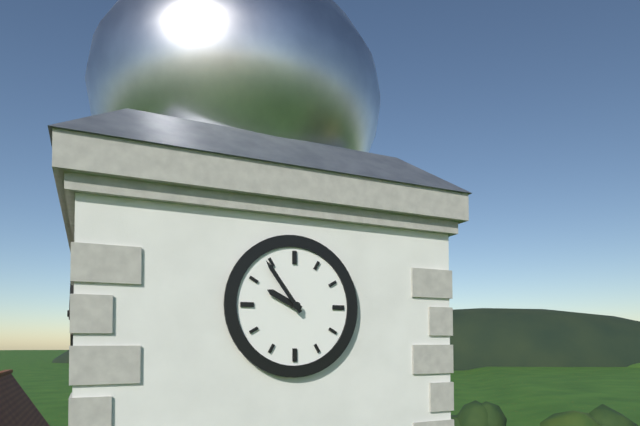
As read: 9.54
